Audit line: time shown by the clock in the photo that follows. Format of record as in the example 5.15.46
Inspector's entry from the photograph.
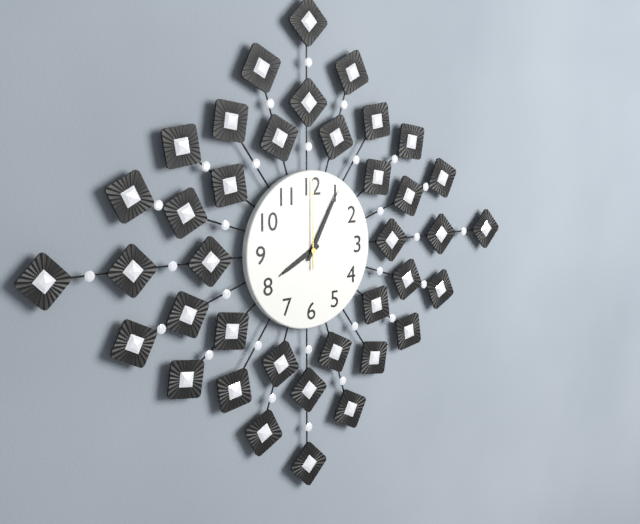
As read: 8.05.00
